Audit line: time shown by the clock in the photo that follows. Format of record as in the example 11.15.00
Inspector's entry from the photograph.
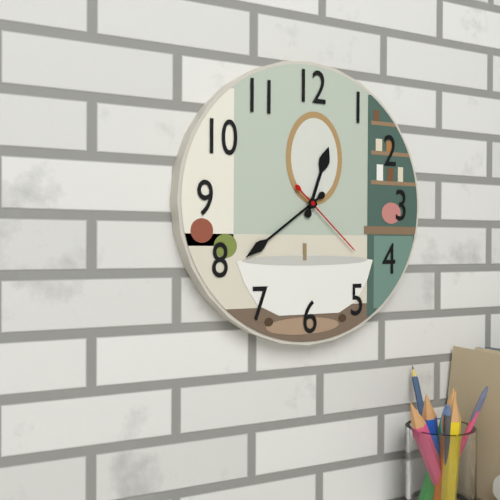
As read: 12.39.22
